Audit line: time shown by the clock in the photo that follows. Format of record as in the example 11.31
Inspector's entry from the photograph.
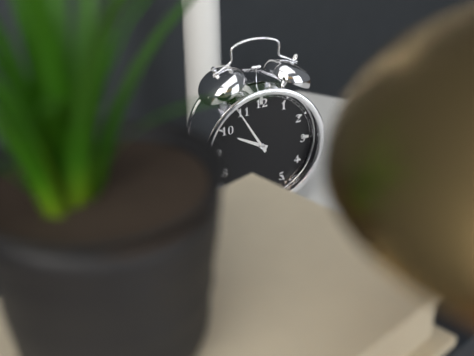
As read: 9.55
